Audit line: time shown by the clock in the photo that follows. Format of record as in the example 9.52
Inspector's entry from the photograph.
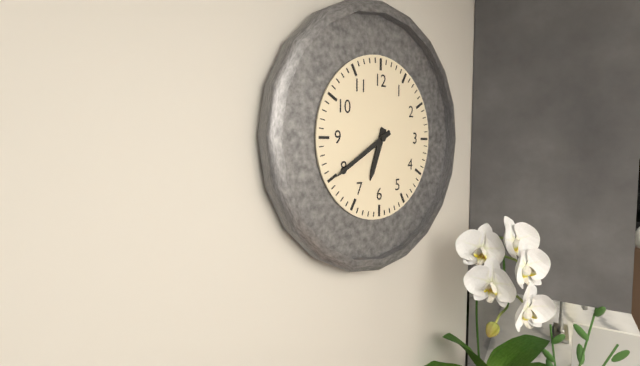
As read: 6.40
